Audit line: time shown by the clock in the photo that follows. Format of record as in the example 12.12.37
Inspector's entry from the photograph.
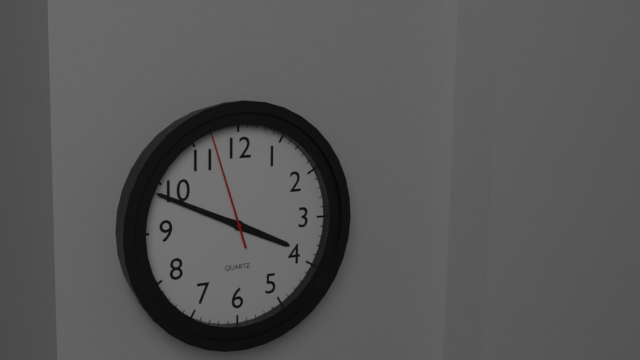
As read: 3.49.57
